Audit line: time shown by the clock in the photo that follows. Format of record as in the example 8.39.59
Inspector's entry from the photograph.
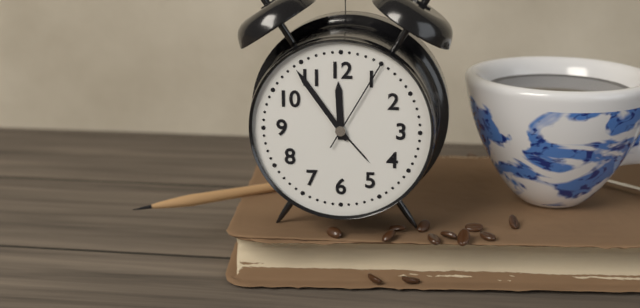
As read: 11.54.05
